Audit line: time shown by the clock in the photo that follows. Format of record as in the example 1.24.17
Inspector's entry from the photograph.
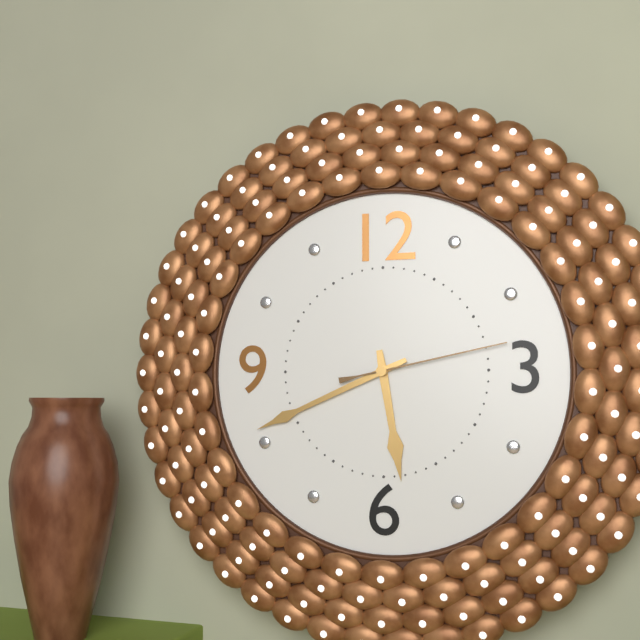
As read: 5.41.13
